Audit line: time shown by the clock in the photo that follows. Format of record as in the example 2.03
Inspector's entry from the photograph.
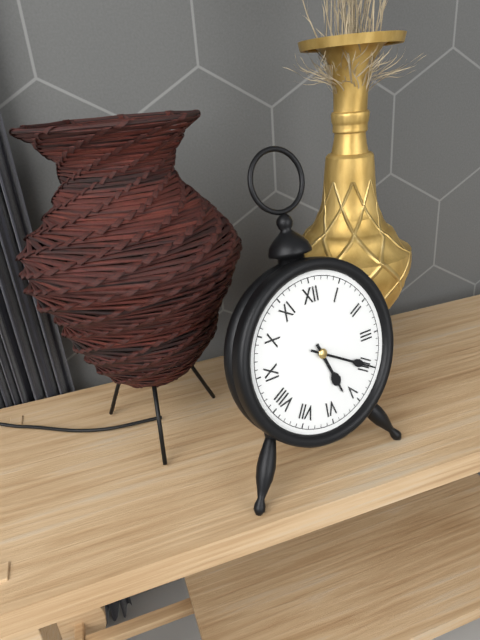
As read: 5.20
